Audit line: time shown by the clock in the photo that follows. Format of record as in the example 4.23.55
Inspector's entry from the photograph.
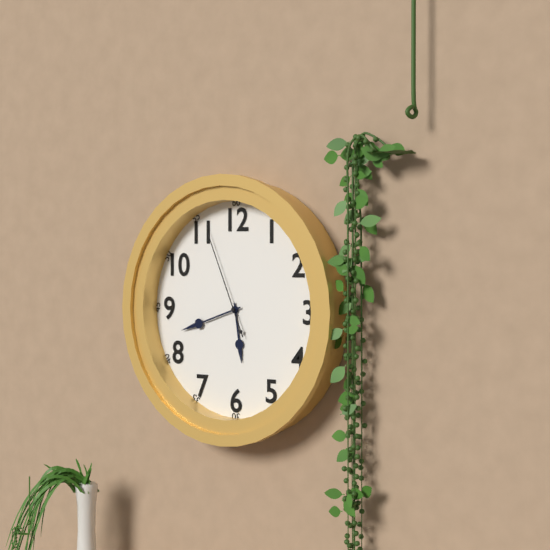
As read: 5.42.56
